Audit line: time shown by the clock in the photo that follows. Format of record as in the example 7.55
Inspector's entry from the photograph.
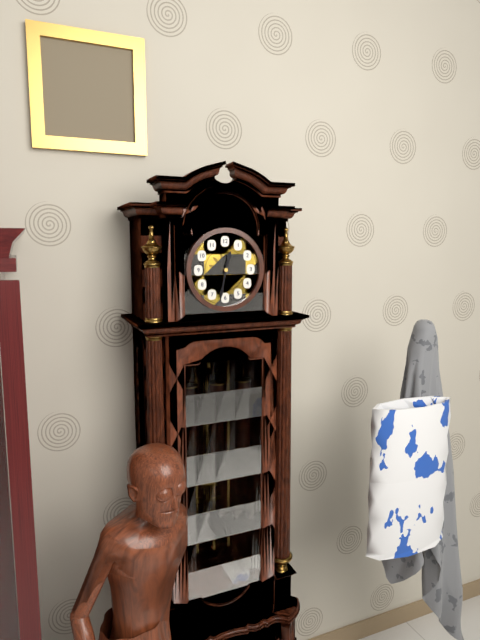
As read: 12.32
